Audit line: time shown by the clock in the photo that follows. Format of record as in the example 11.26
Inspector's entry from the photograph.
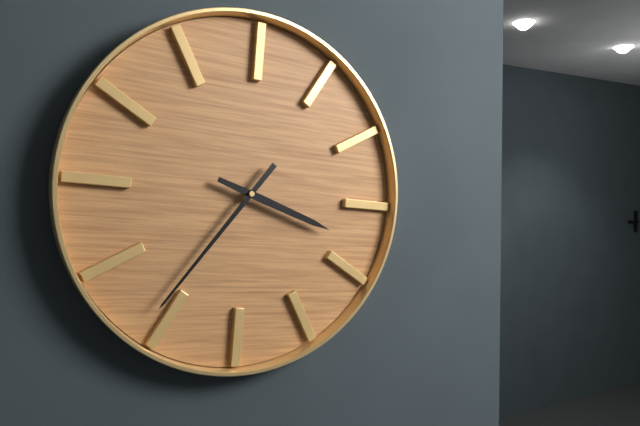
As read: 3.36
